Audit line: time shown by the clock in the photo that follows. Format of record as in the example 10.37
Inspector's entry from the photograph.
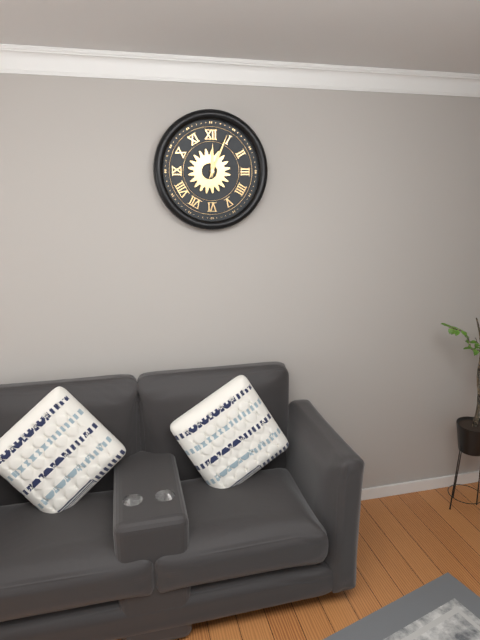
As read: 12.04
